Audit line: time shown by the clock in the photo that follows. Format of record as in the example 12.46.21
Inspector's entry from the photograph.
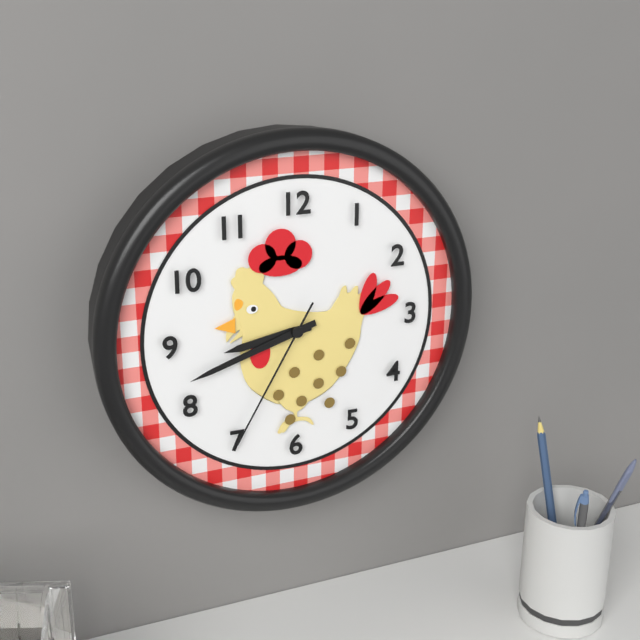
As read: 8.42.35
